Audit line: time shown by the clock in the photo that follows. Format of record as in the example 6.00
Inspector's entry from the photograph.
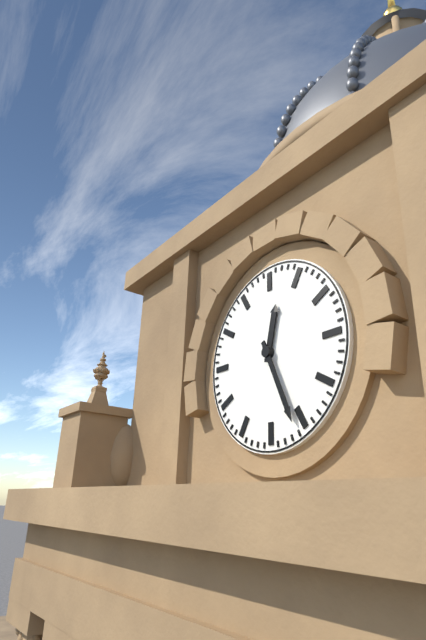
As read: 12.26
